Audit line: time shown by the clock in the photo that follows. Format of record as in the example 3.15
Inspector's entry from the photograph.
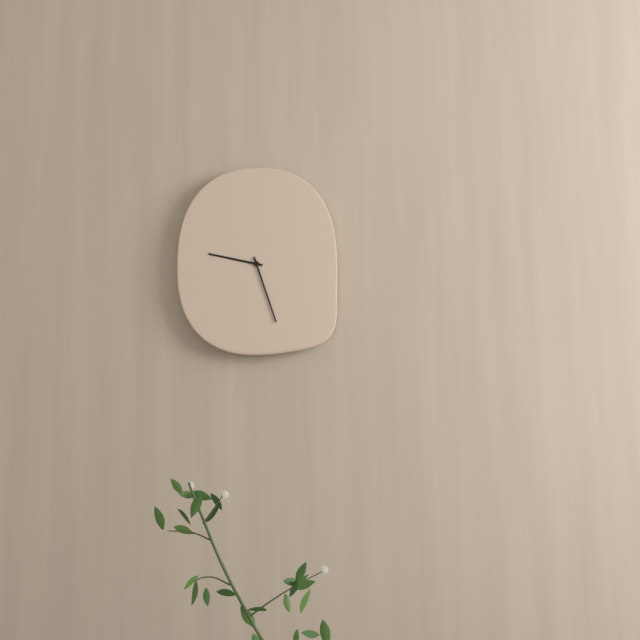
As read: 9.27
